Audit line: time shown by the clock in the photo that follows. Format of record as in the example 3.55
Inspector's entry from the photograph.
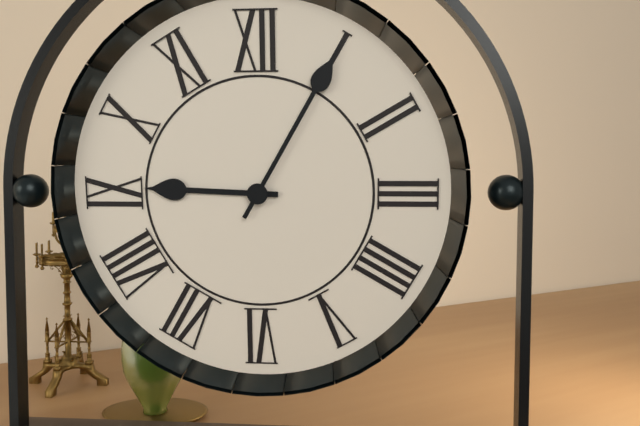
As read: 9.05
